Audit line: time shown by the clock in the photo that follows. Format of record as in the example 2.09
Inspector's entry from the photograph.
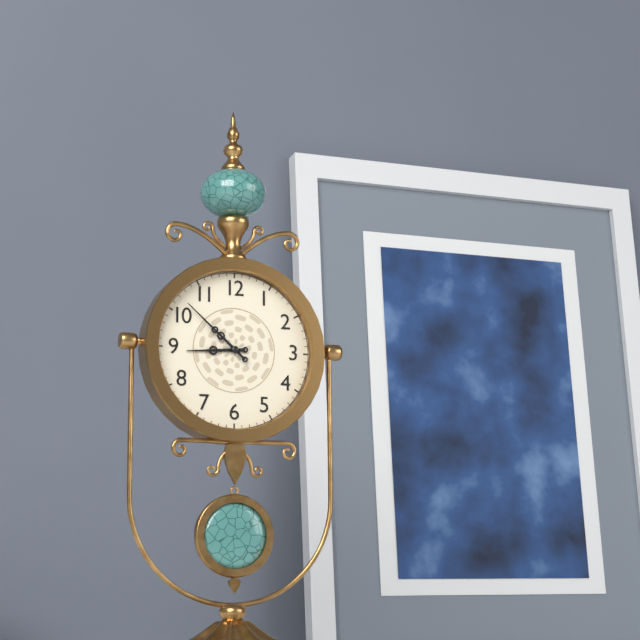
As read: 8.52
